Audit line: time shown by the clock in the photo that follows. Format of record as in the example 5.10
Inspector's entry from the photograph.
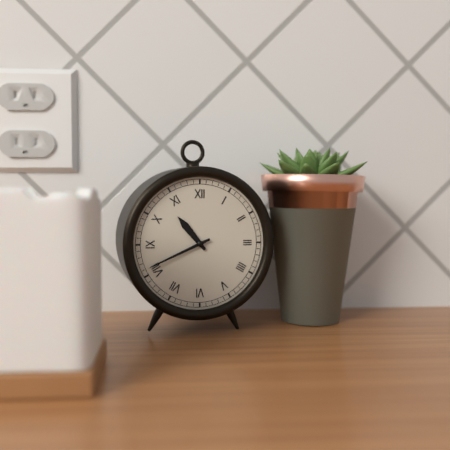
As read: 10.41
